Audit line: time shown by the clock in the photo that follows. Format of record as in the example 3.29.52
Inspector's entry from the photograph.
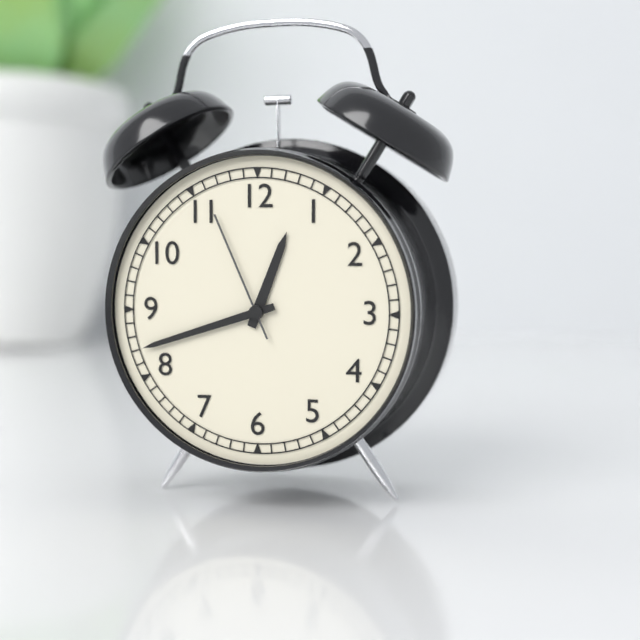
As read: 12.42.56
